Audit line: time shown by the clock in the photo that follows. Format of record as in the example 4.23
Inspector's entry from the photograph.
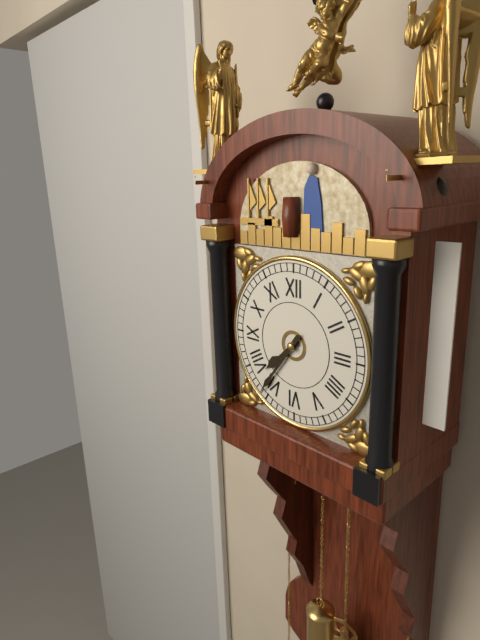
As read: 7.36
